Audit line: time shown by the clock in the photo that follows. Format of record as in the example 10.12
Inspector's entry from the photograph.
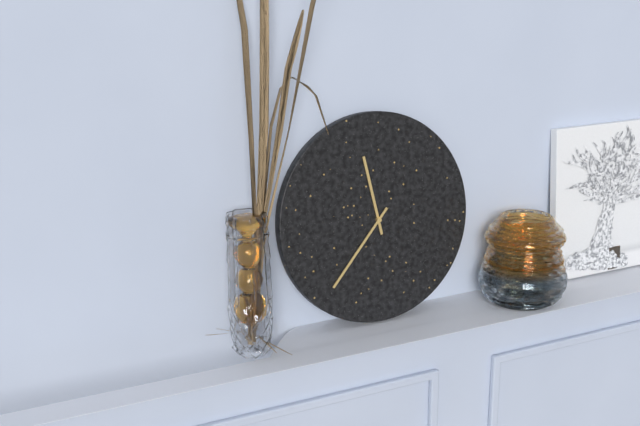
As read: 11.37
